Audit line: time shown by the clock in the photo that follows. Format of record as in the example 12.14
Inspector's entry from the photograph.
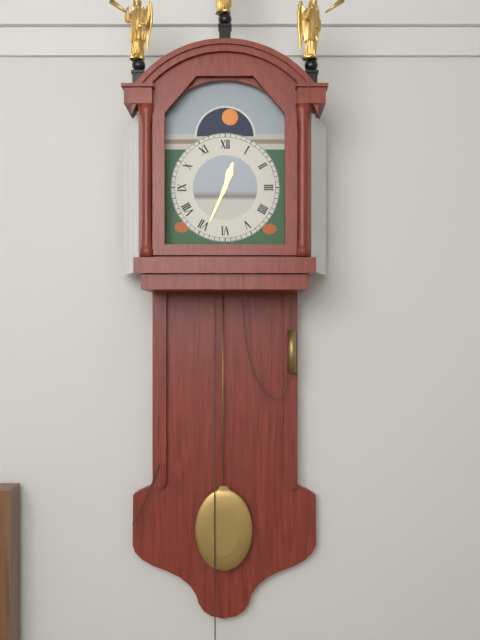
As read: 12.34
